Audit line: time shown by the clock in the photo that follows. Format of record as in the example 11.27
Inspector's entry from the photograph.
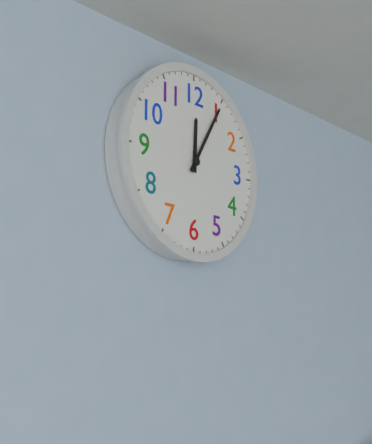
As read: 12.05
